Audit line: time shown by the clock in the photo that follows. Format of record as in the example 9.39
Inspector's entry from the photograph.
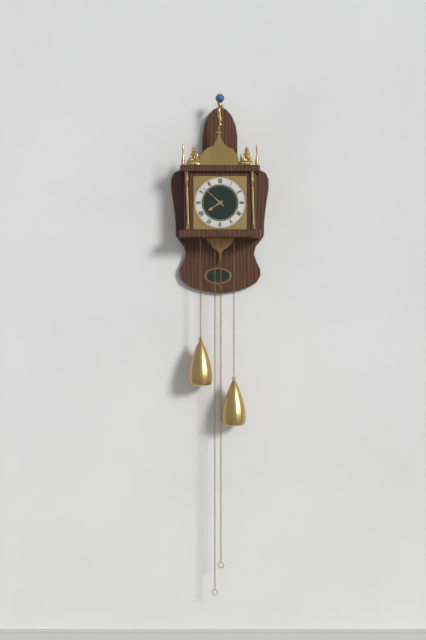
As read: 7.52
